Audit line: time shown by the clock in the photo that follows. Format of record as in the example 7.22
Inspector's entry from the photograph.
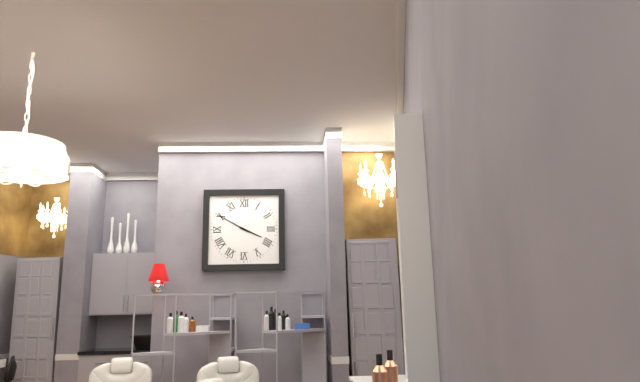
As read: 3.50
